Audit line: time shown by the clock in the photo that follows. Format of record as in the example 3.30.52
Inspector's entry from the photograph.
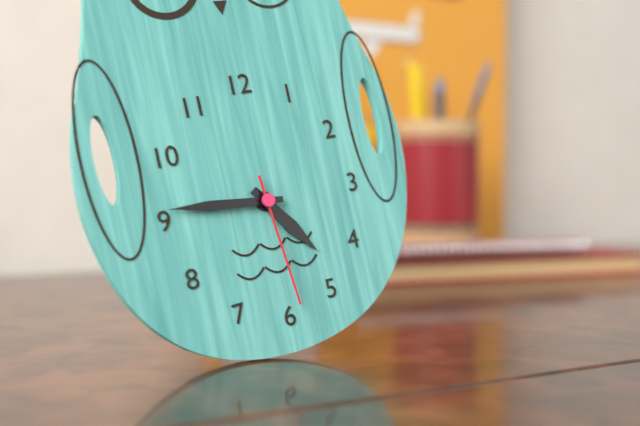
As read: 4.46.29
